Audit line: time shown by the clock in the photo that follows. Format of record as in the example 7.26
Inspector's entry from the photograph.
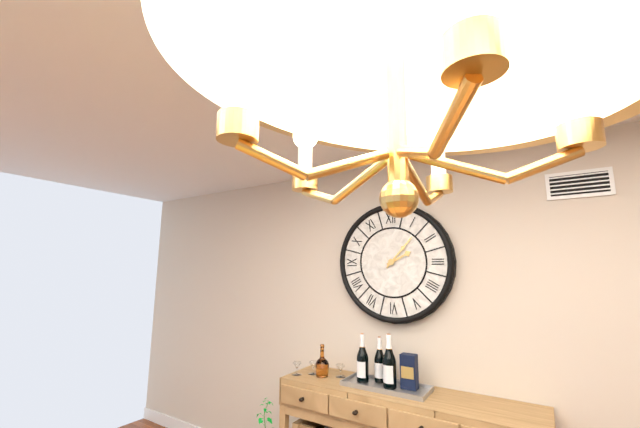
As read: 2.07
